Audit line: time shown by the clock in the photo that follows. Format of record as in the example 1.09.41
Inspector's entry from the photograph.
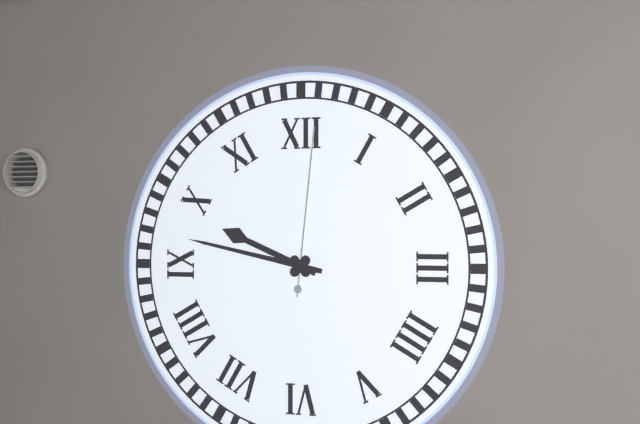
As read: 9.47.01
